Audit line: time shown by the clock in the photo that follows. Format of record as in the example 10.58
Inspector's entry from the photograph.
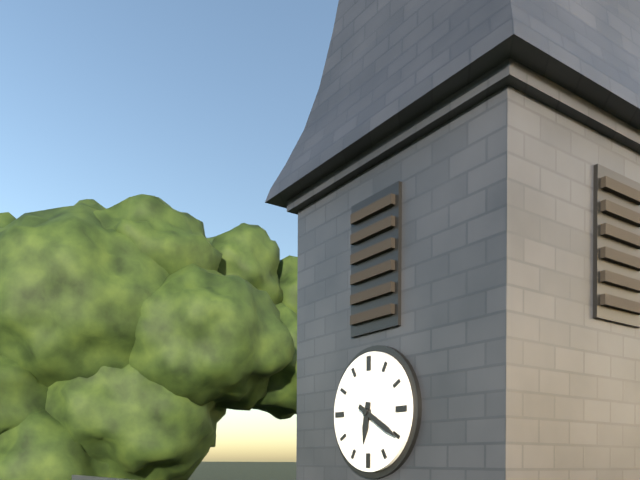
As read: 6.20
